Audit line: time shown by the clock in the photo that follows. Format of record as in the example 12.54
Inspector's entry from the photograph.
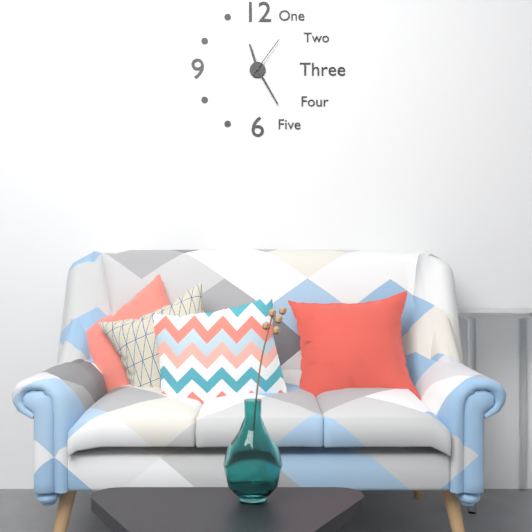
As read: 11.25
